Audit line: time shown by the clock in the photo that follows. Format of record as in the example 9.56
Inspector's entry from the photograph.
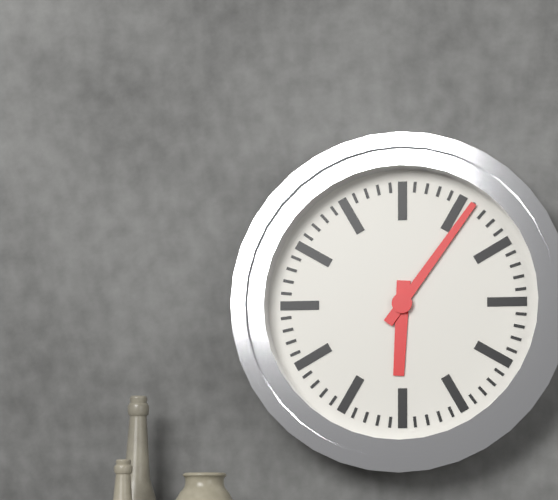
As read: 6.06
